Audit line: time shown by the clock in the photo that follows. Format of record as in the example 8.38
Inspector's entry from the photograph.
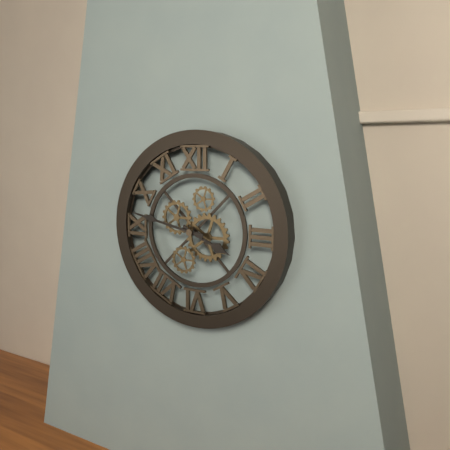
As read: 3.47
